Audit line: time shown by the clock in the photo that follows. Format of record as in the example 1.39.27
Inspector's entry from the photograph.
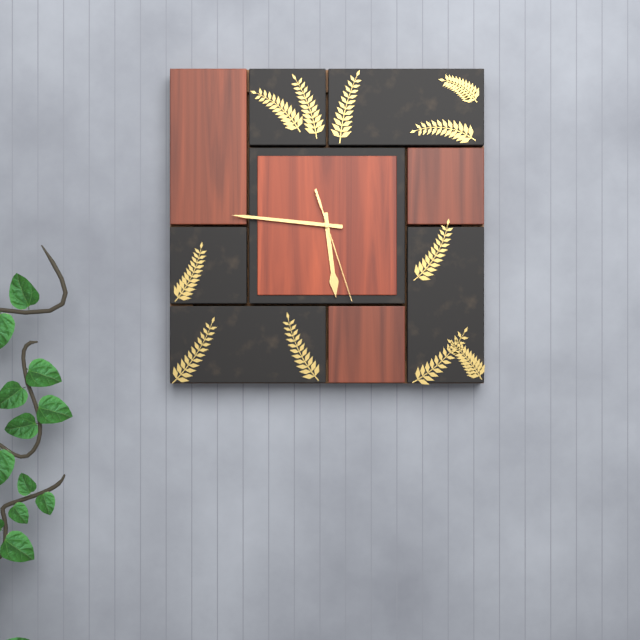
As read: 5.46.27
